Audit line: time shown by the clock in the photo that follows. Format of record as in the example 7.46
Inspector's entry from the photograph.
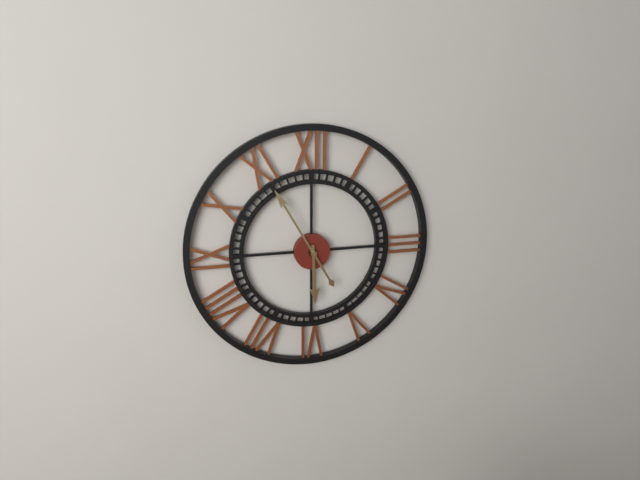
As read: 5.55
